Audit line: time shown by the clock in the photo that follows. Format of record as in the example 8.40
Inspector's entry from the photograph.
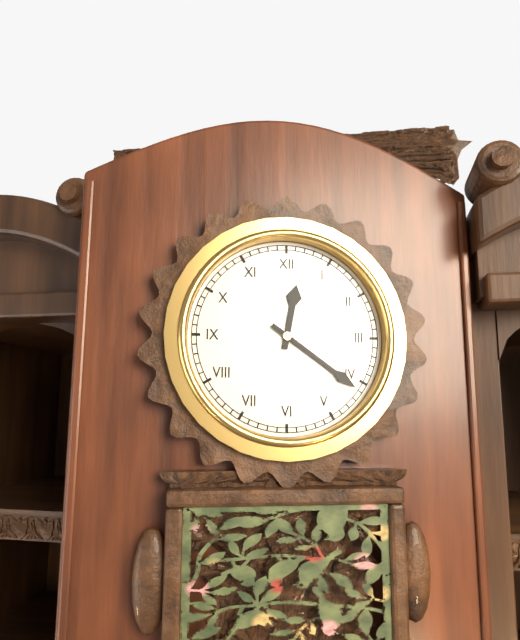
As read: 12.21
